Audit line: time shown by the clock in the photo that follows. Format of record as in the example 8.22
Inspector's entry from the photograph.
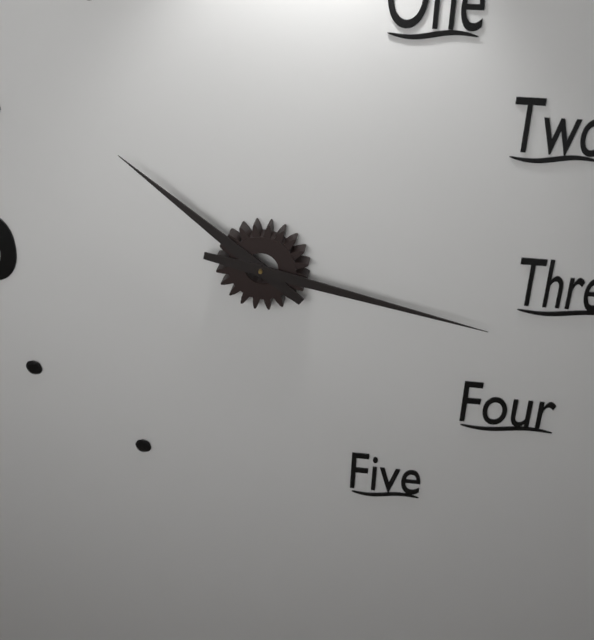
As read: 10.17
